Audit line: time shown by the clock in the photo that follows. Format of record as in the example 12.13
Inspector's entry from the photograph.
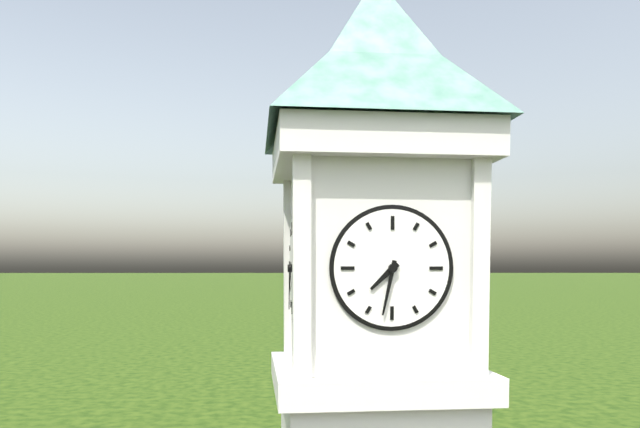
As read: 7.32
